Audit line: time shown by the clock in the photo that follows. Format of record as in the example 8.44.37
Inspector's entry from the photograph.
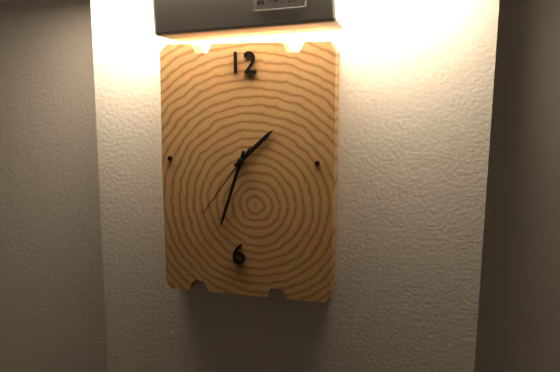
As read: 1.33.36
